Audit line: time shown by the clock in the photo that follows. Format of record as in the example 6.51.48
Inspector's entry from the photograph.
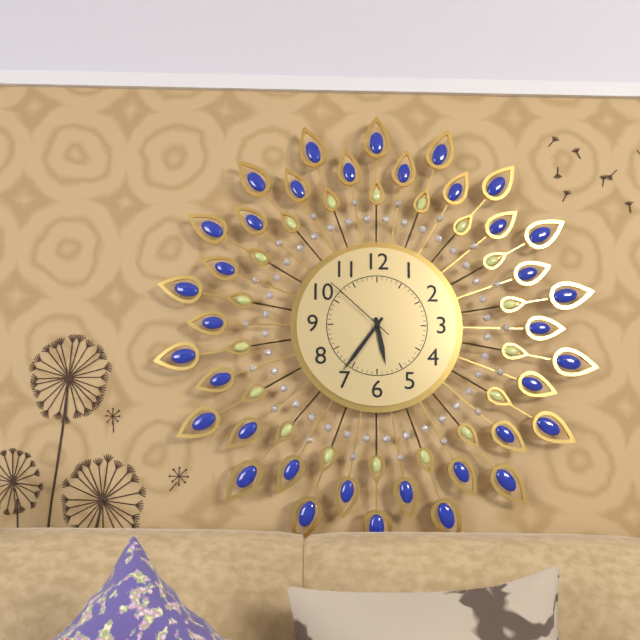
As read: 5.36.52
